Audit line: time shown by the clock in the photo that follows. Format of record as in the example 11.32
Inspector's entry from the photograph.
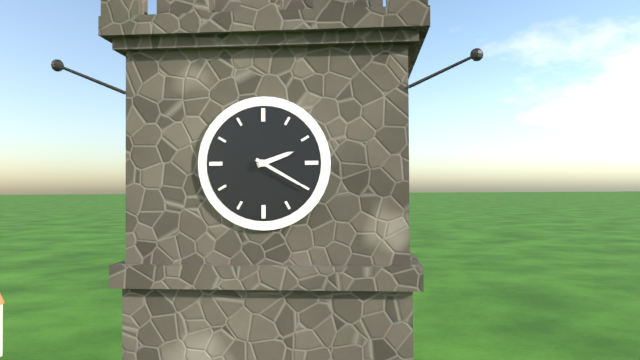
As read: 2.20
